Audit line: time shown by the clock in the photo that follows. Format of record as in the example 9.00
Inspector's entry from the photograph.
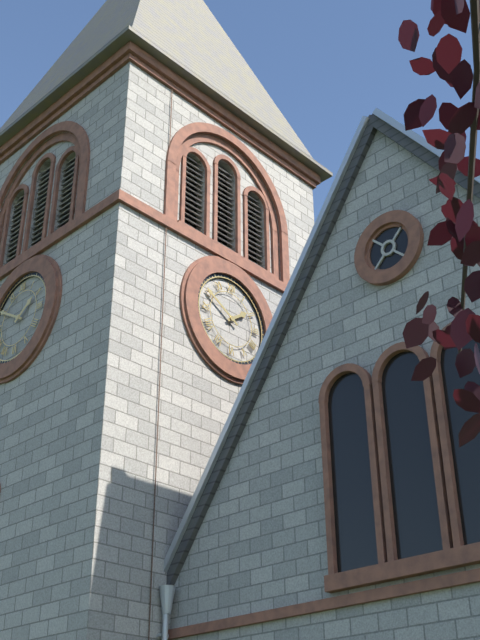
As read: 1.50
